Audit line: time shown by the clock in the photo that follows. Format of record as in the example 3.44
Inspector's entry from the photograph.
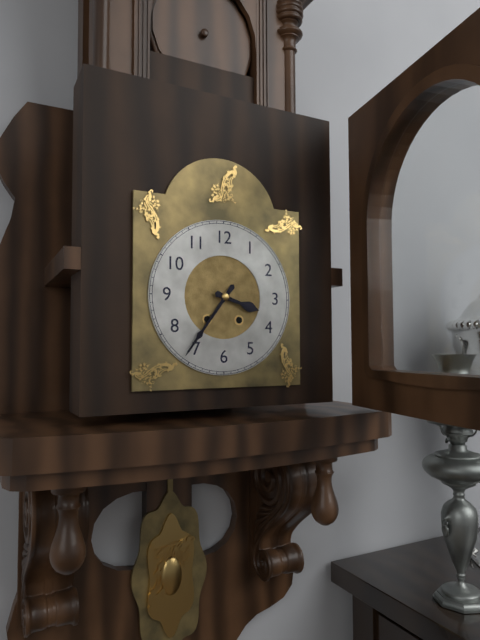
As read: 3.36
